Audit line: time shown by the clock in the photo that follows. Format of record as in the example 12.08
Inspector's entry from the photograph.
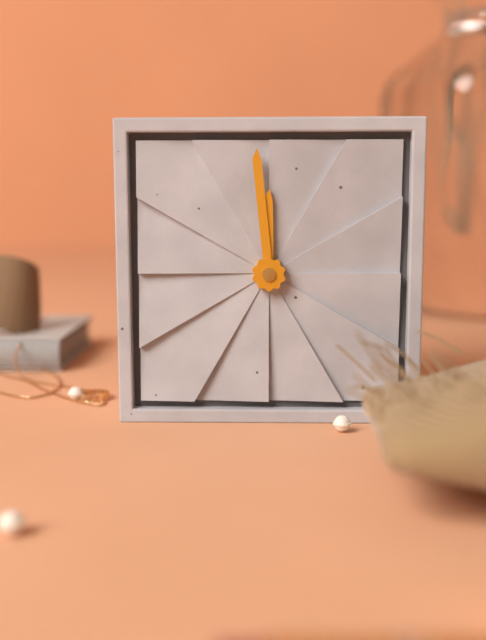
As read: 11.59
